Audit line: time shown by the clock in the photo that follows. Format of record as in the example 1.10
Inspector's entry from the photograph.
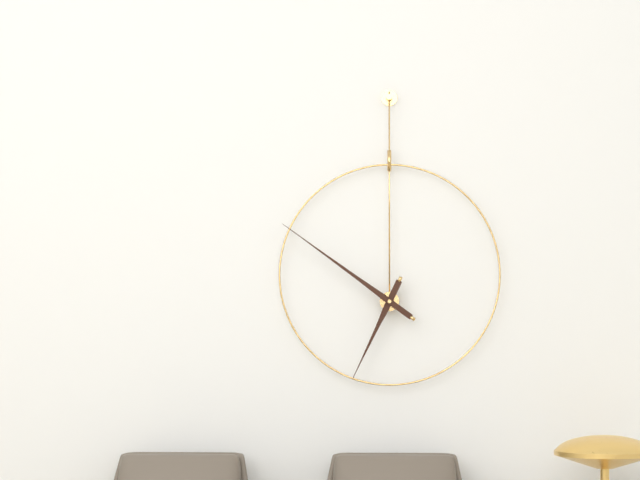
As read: 6.51
